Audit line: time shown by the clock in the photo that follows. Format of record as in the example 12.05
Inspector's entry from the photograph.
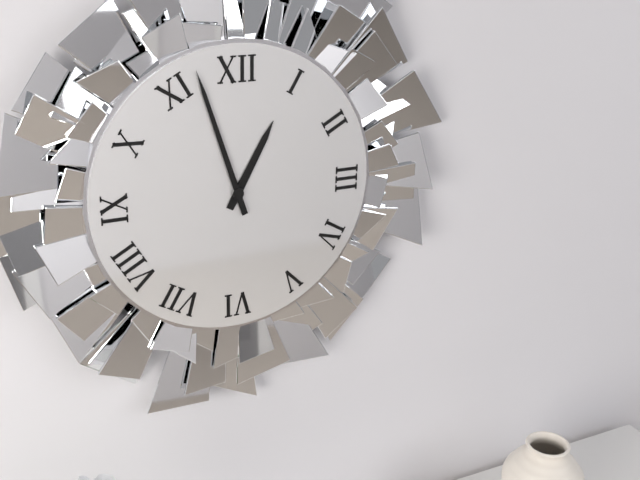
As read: 12.57
